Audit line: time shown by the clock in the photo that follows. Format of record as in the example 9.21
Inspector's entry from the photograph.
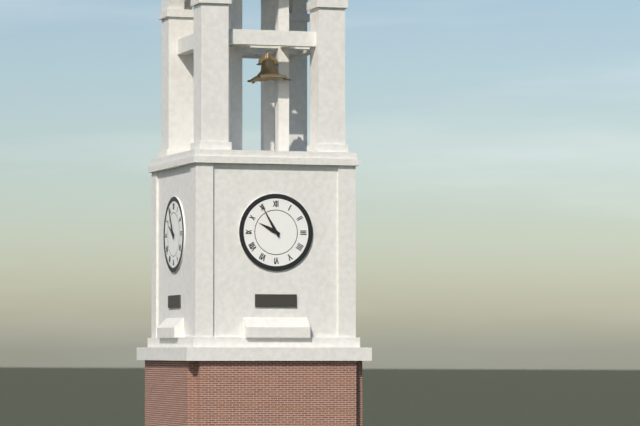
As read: 9.55
